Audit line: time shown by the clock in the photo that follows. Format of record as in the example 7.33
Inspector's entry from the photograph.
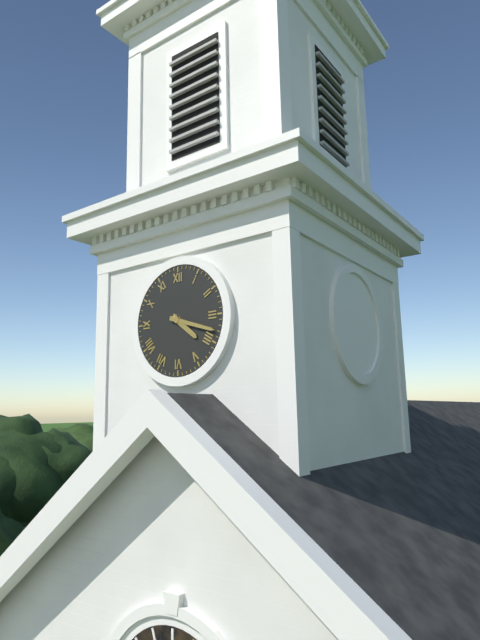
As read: 4.18
